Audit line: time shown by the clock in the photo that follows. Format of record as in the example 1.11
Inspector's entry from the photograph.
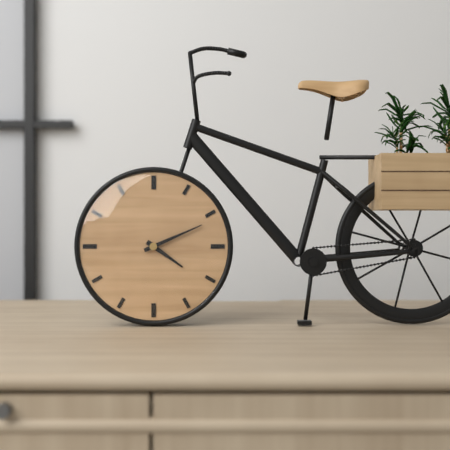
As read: 4.11
